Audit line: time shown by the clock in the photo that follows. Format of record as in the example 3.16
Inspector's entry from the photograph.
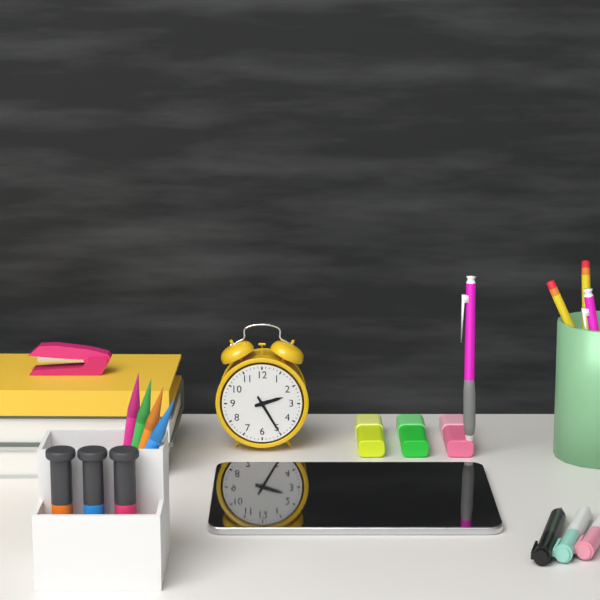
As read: 2.25
